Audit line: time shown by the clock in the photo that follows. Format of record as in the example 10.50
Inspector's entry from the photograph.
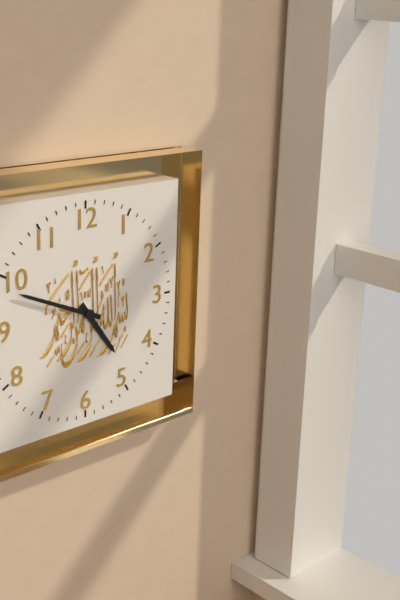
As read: 4.49
